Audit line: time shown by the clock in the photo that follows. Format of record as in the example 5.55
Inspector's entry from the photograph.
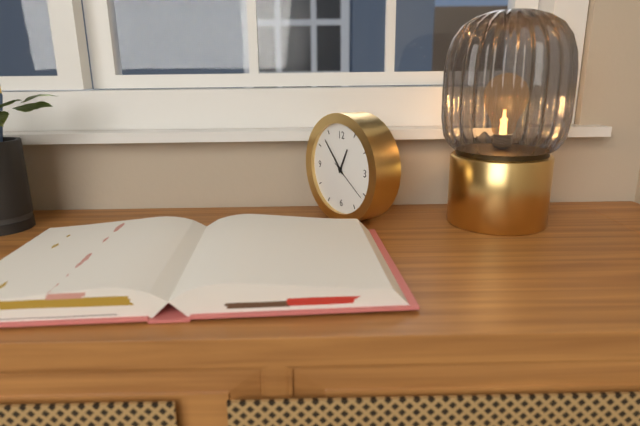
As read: 12.53
